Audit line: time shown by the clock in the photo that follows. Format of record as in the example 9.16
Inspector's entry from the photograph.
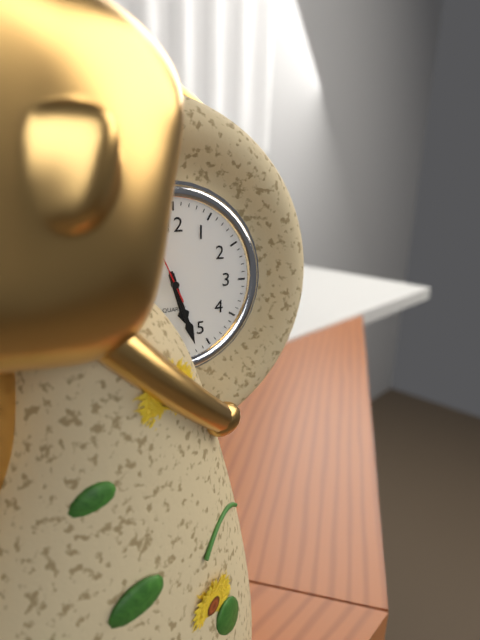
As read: 5.27
